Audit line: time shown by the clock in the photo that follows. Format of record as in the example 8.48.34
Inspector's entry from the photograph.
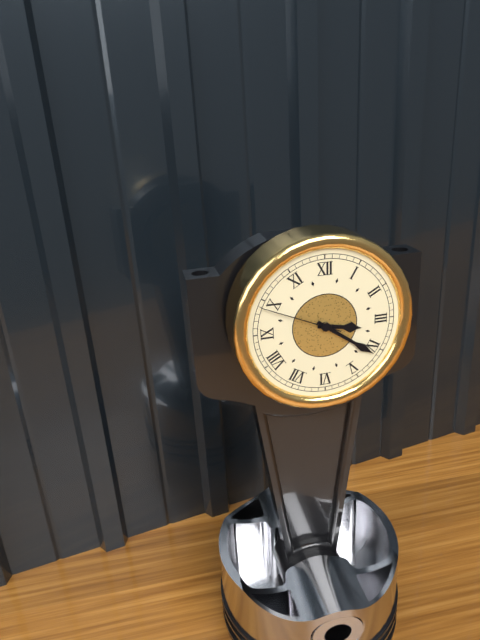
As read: 3.21.49
